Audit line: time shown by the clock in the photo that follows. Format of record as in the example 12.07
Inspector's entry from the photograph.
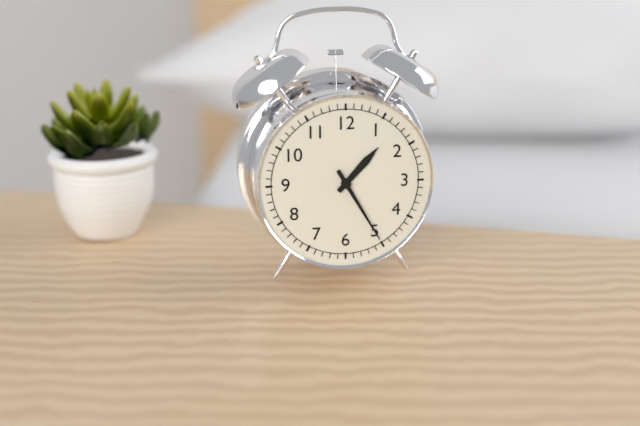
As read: 1.25
